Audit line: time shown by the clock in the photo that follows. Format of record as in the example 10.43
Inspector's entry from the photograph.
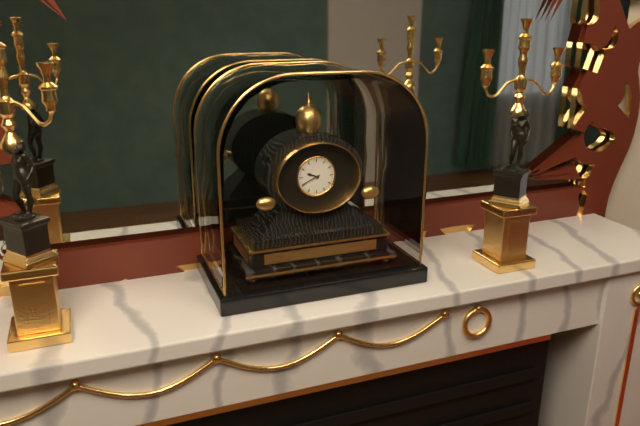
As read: 9.41
